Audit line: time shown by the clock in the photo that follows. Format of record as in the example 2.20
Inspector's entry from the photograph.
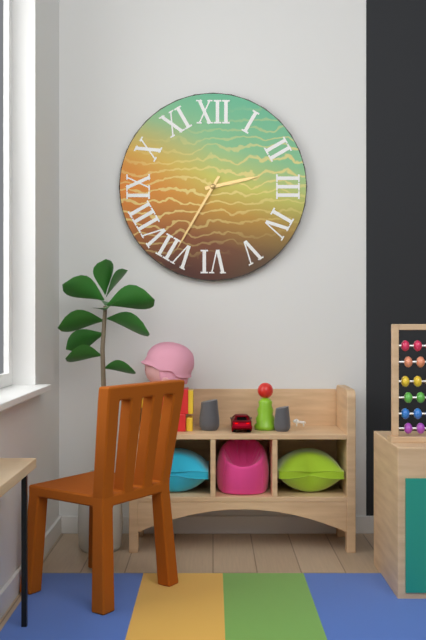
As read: 2.35
